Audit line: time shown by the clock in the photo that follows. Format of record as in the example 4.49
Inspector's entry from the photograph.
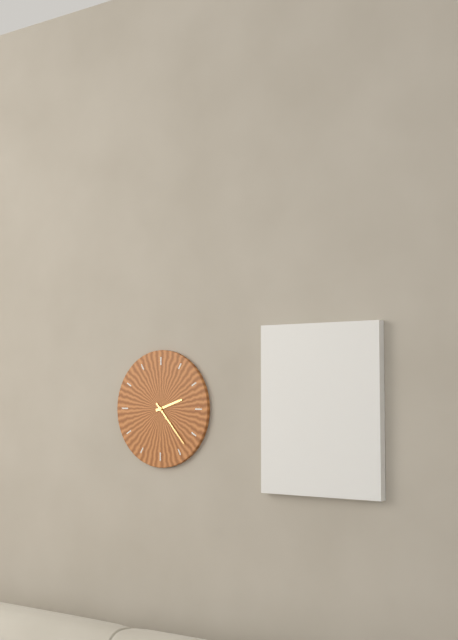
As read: 2.23
